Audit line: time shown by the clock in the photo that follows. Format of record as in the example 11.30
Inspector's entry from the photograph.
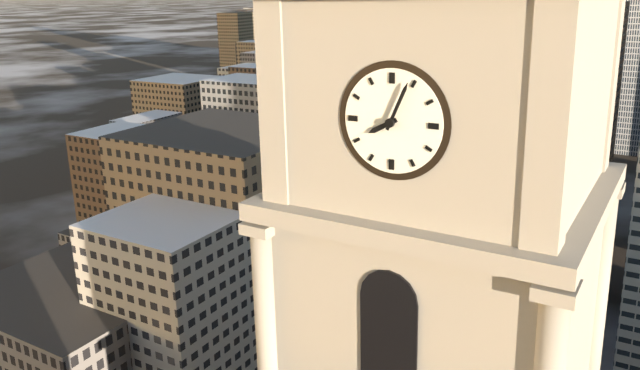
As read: 8.04
